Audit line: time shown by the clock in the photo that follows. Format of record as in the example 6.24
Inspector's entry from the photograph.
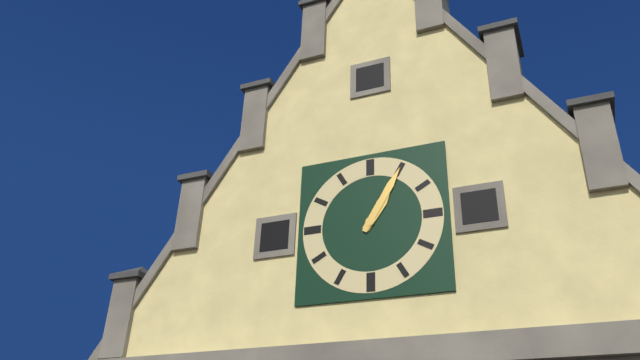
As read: 1.05
